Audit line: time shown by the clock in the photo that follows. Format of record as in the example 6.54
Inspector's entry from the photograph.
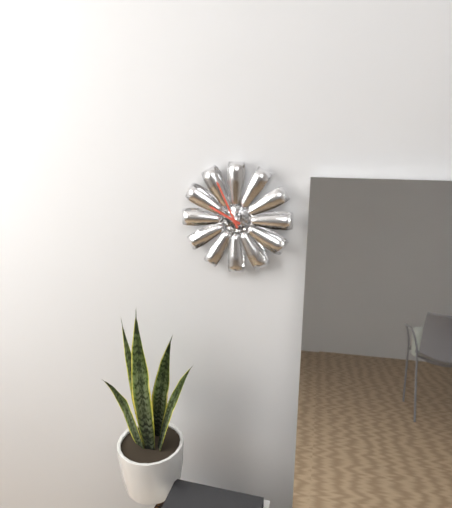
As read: 9.56
